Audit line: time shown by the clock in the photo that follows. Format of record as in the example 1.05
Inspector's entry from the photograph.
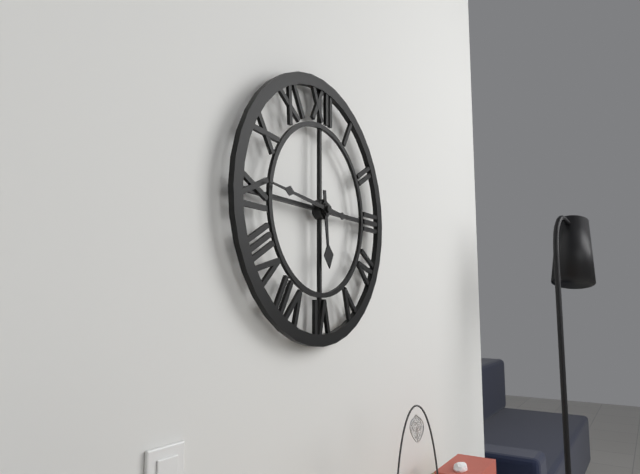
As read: 5.46
